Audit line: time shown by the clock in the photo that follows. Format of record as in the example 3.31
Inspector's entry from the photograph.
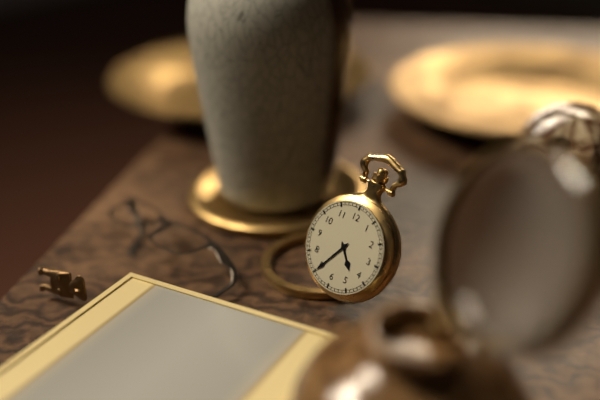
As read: 4.35
